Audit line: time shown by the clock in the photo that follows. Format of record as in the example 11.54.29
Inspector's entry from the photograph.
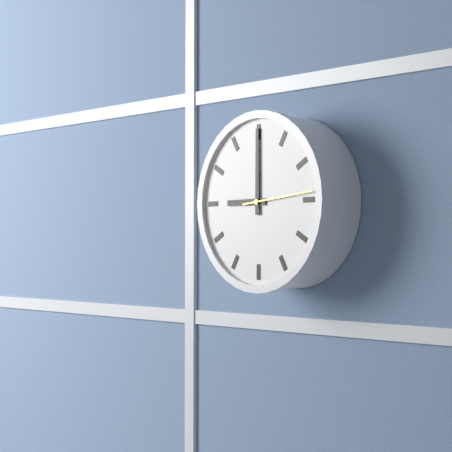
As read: 9.00.14
